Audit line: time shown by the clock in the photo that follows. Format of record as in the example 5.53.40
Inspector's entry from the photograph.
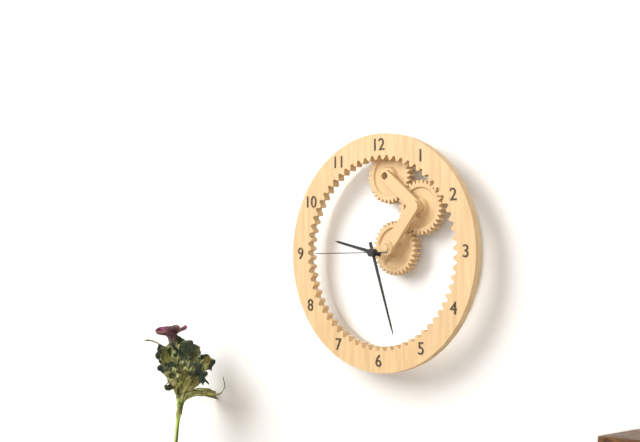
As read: 9.27.45
